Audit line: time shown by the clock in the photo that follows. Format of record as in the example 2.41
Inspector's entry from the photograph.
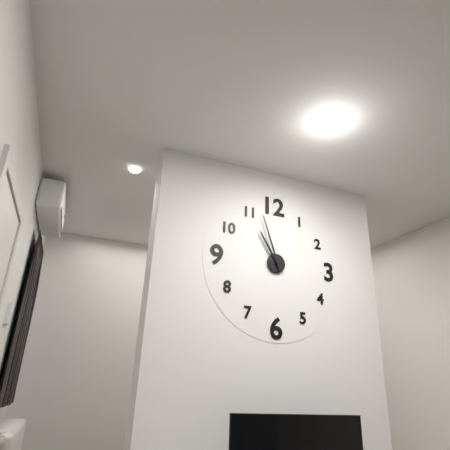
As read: 10.57
